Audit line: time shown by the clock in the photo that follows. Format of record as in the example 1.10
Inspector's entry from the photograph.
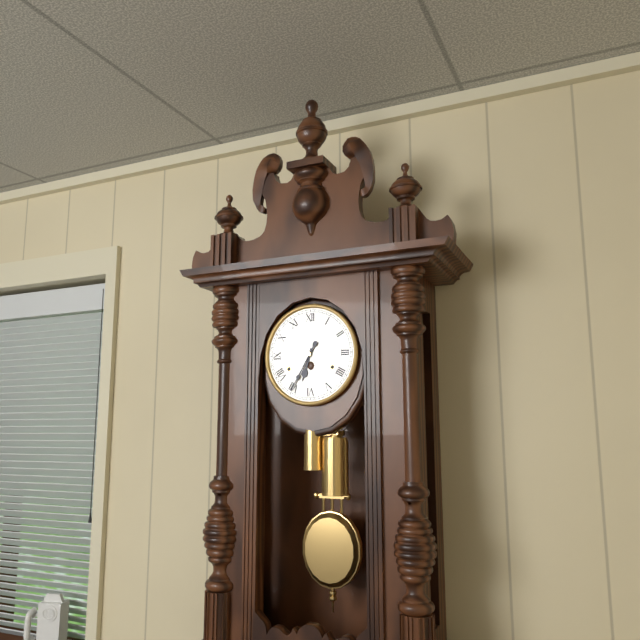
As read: 6.35
